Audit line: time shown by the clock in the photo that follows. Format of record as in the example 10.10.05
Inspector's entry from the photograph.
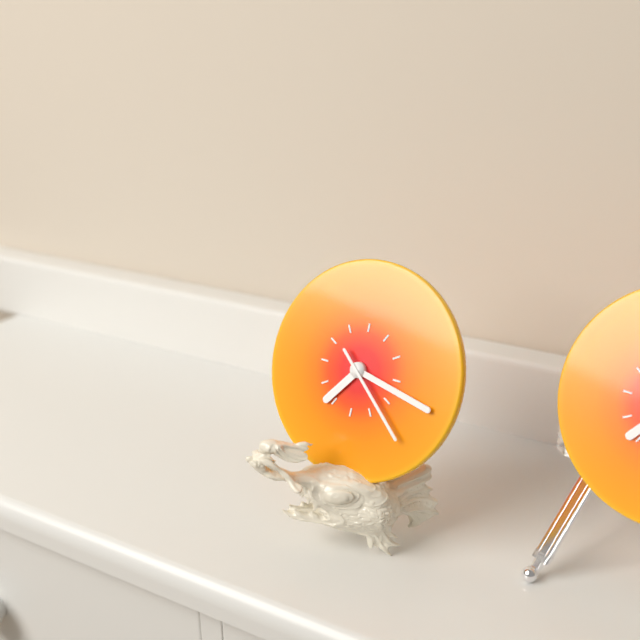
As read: 7.17.22
